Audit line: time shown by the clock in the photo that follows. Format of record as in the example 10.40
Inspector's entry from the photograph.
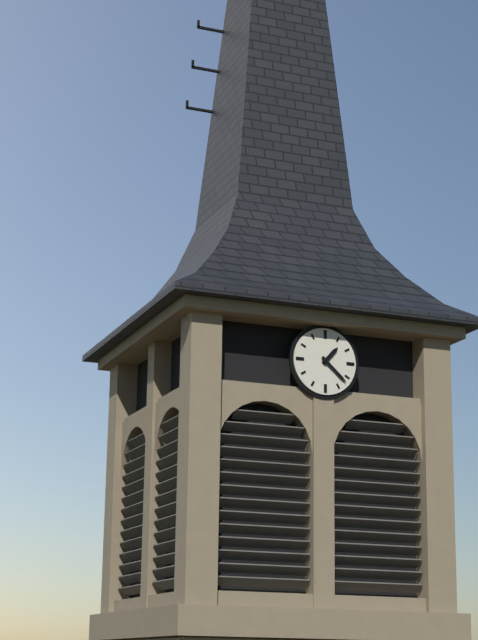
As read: 1.22
